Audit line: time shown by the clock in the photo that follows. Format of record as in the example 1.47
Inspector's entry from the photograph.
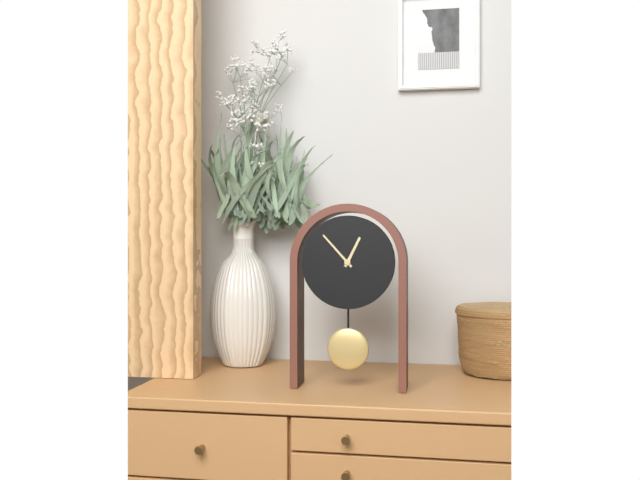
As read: 12.53
